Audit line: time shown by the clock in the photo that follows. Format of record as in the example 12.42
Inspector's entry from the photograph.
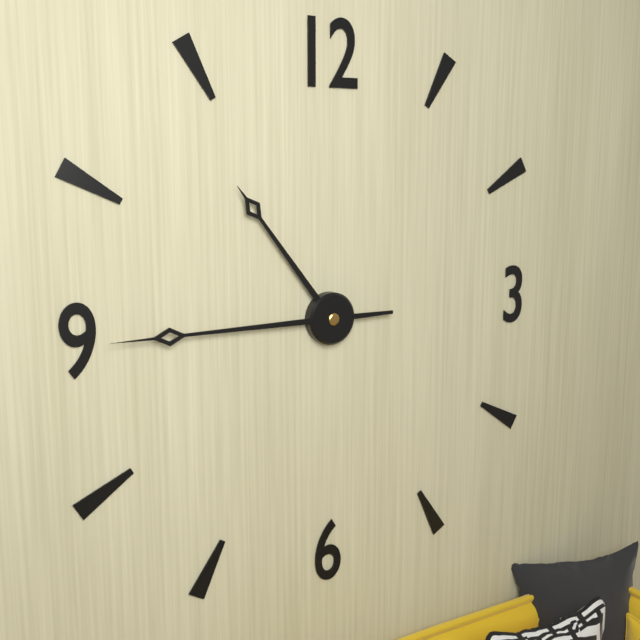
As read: 10.45
